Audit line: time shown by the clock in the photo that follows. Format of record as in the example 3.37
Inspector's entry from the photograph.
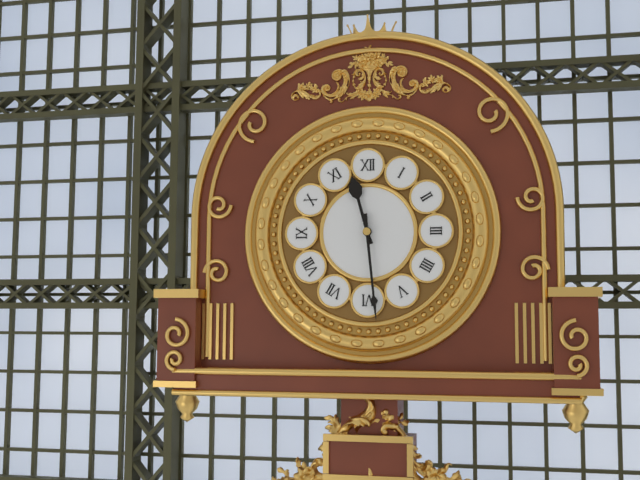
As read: 11.29
